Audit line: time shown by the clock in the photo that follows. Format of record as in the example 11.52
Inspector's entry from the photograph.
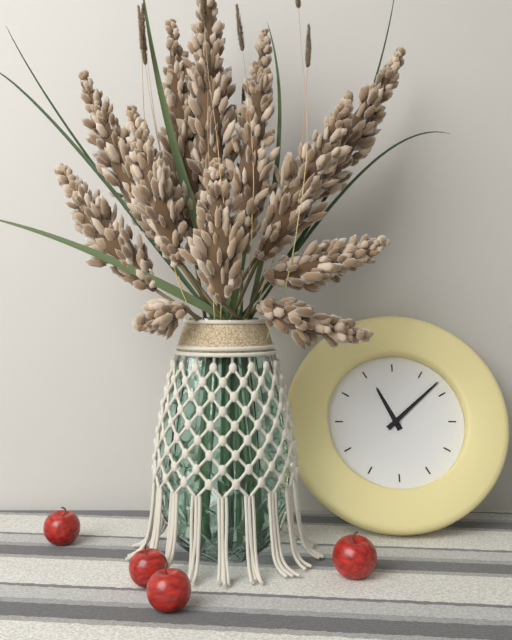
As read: 11.08
